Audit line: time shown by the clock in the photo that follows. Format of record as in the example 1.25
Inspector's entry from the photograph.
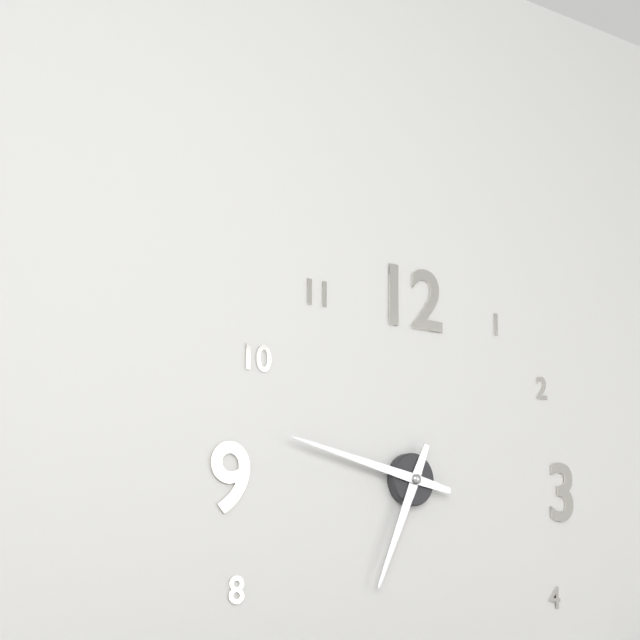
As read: 6.47
